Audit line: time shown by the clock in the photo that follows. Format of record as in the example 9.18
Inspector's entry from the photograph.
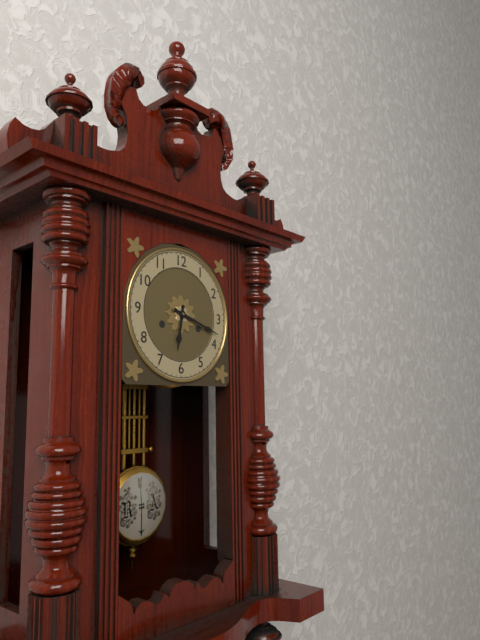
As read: 6.18
